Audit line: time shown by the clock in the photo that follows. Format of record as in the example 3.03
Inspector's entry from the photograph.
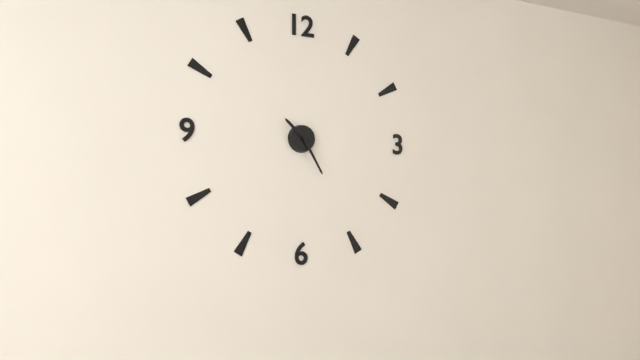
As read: 10.25
